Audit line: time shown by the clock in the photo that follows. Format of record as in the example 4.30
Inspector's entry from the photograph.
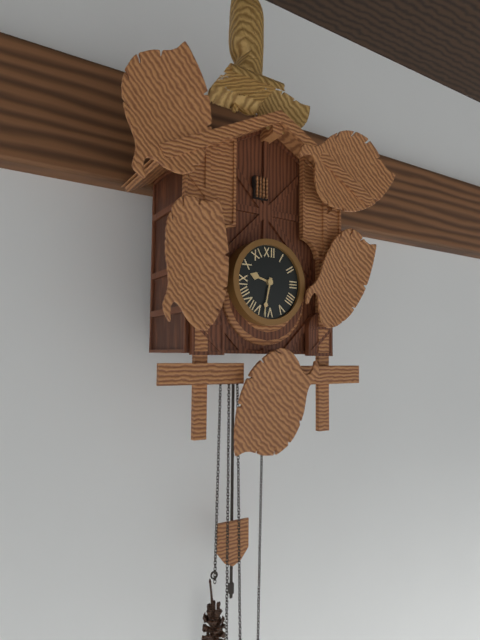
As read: 9.32
